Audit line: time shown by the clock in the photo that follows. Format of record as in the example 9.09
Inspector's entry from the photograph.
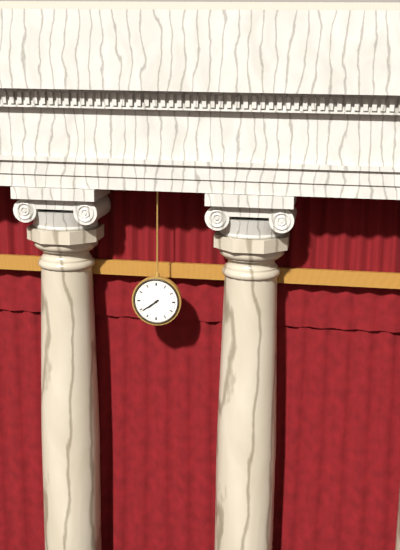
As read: 7.39
